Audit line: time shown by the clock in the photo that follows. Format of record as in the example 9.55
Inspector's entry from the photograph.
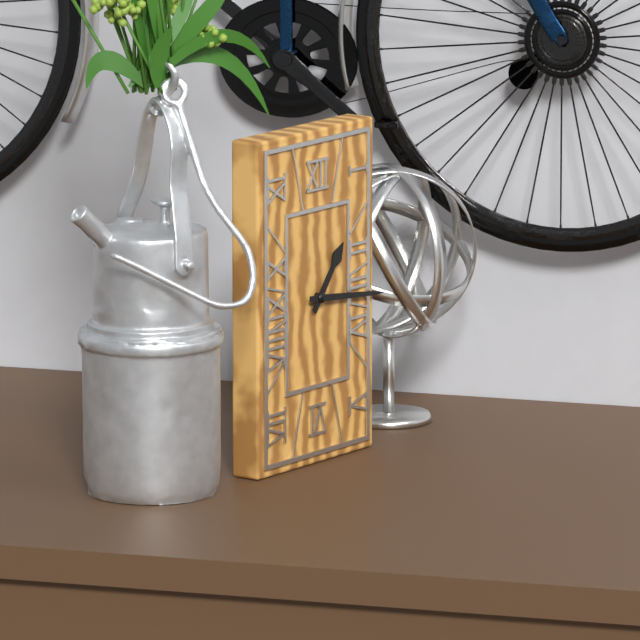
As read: 1.16
